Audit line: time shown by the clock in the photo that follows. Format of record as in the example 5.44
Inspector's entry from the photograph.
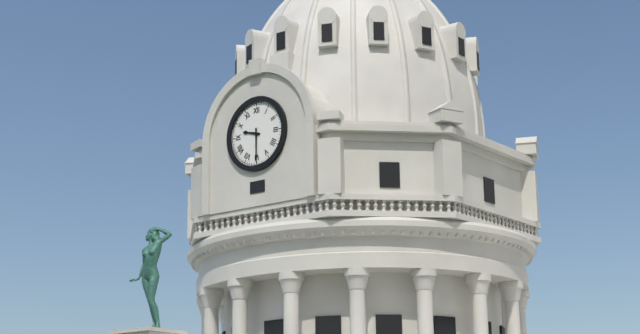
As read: 9.30
